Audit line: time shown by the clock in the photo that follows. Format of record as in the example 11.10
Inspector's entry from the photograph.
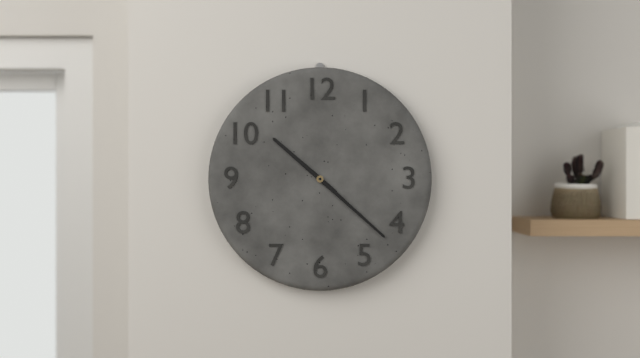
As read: 10.22
